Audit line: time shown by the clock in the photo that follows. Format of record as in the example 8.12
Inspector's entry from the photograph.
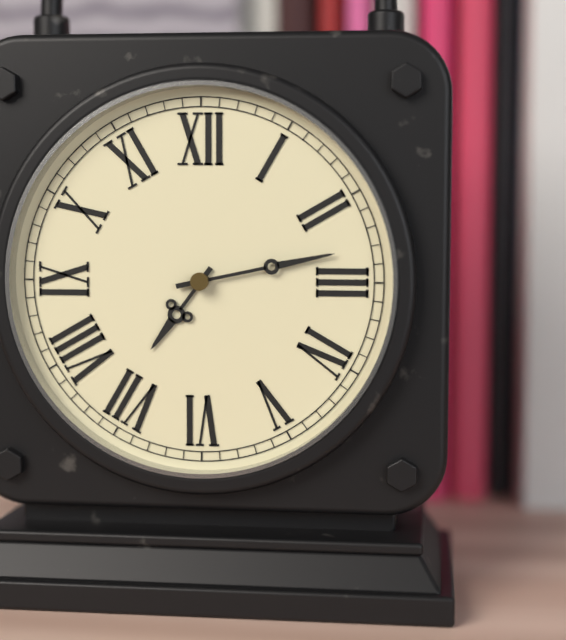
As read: 7.13
